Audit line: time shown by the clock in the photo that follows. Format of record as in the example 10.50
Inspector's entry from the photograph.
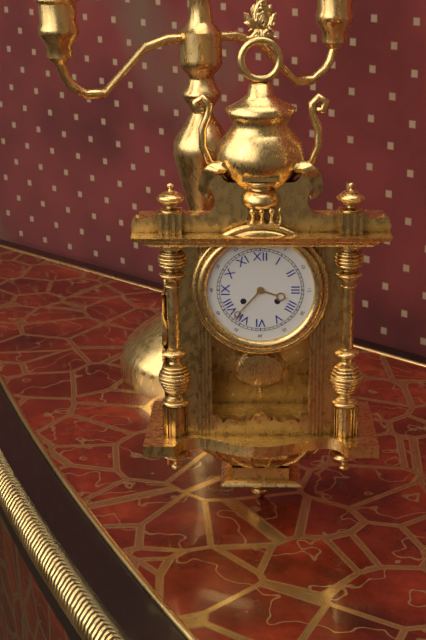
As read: 3.37
